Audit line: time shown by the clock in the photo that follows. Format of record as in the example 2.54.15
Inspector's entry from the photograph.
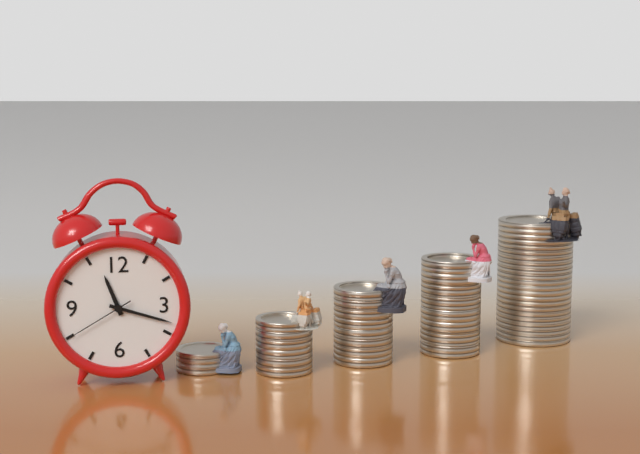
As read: 11.18.40
